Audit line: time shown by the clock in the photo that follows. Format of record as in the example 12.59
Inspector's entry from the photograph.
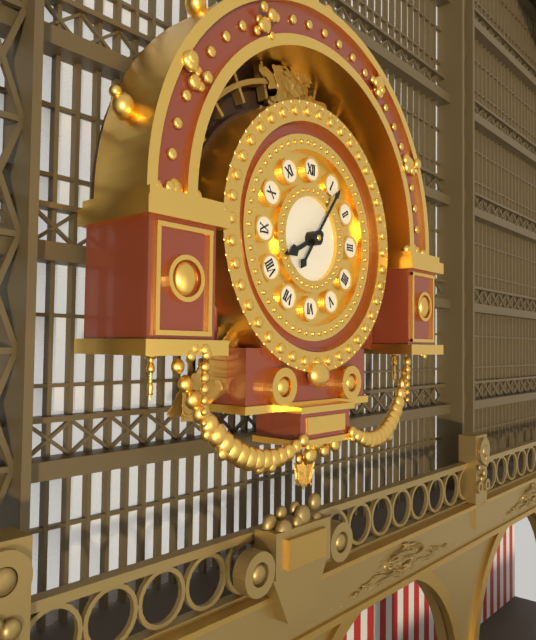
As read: 8.06
